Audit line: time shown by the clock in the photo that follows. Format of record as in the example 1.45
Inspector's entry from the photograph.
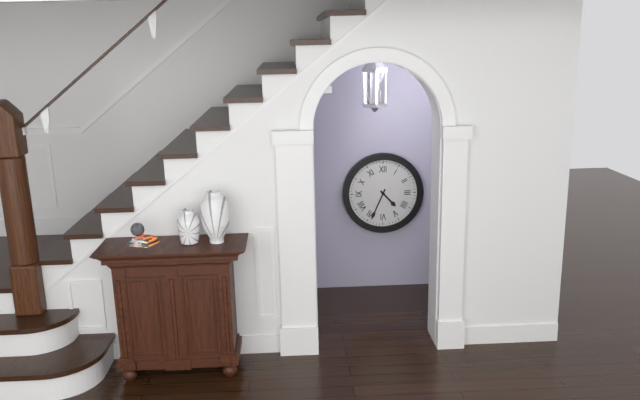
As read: 4.34
